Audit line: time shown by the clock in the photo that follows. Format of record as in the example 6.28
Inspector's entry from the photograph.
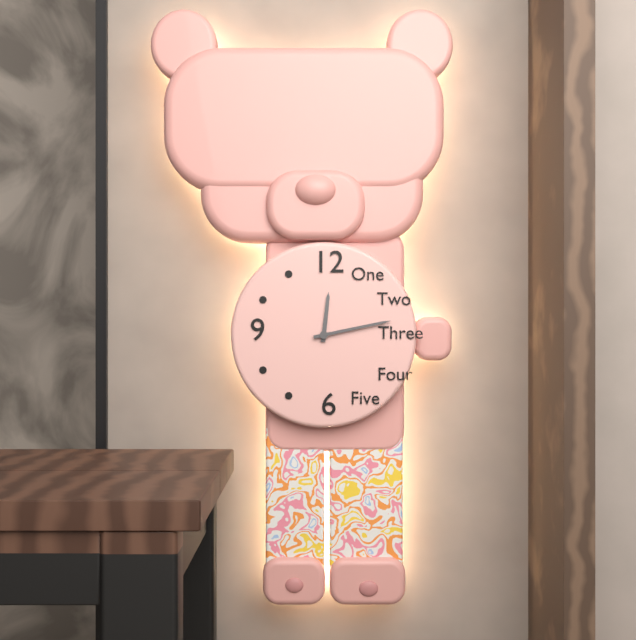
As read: 12.13
